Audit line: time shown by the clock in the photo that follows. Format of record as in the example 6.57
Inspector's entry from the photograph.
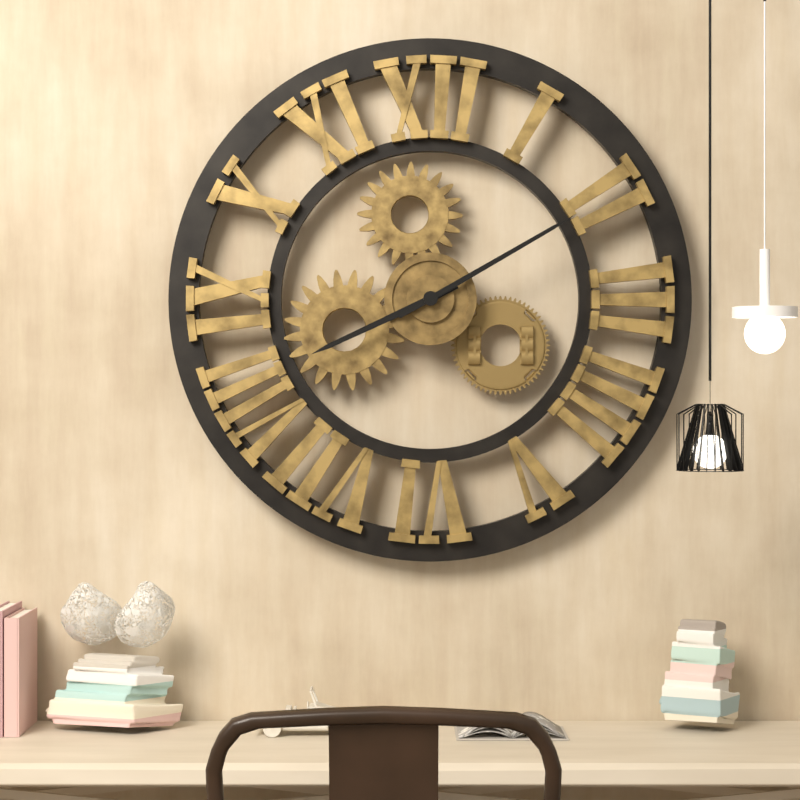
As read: 8.10
